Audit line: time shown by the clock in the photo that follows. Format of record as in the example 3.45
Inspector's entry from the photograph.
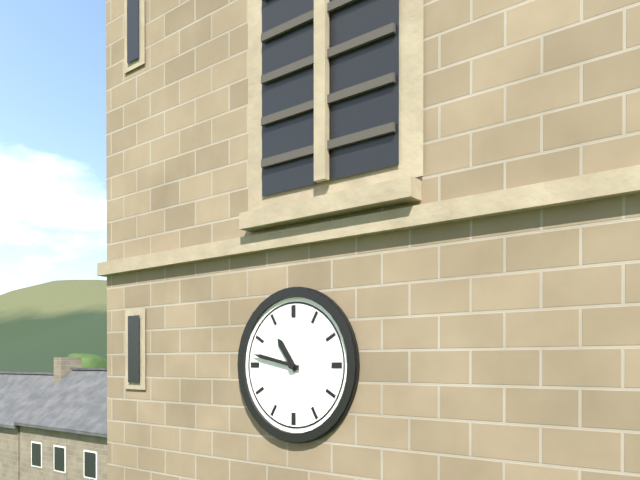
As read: 10.47
